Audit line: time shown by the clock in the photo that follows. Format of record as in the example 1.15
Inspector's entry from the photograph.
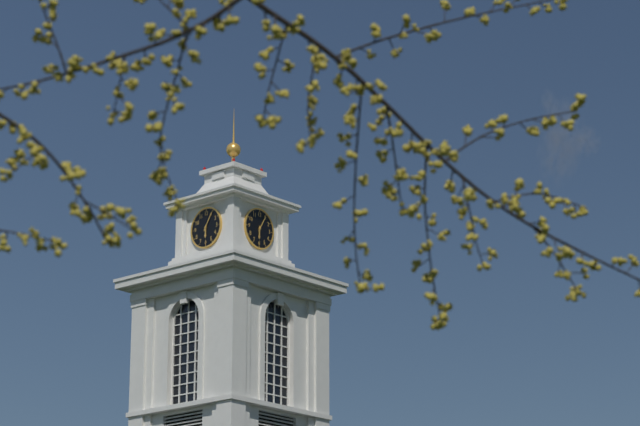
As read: 6.05
